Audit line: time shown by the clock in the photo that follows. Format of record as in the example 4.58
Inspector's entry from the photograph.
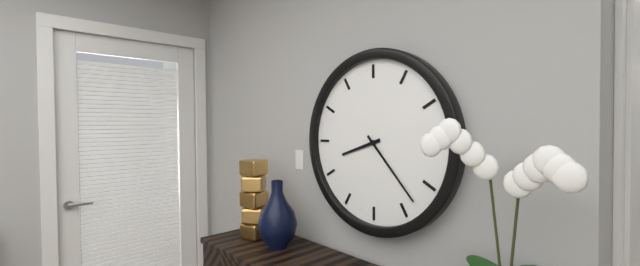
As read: 8.23
